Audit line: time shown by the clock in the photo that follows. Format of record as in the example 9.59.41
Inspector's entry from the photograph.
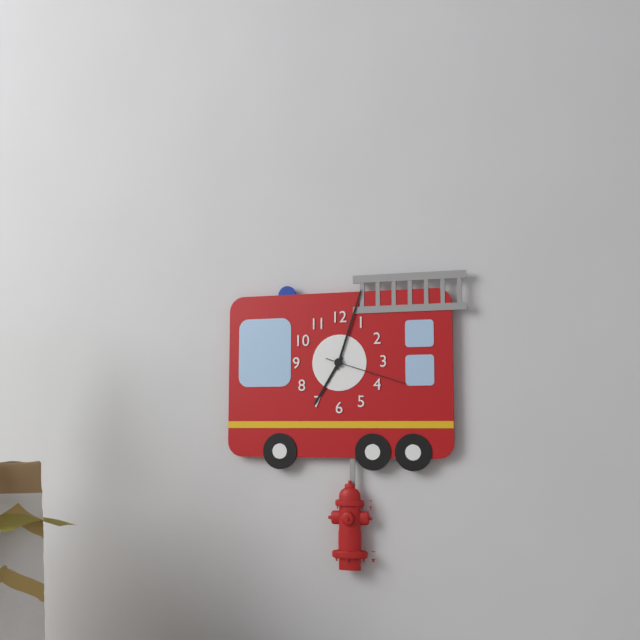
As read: 7.03.18
